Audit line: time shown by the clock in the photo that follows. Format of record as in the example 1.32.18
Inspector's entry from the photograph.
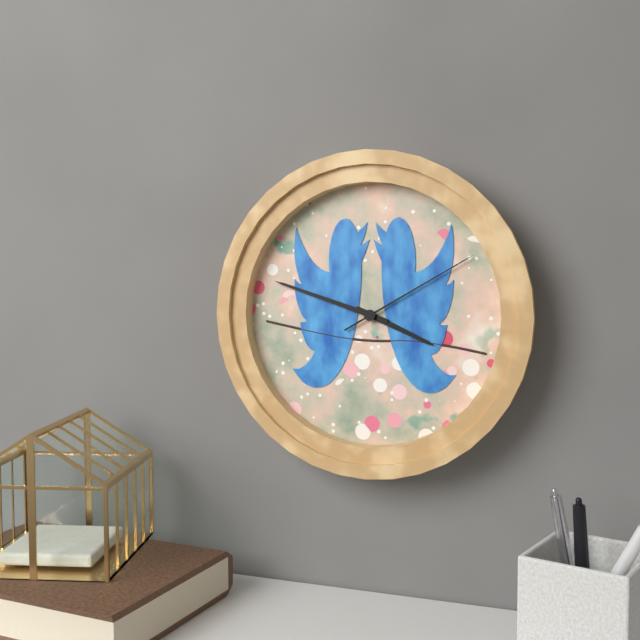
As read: 3.48.10
